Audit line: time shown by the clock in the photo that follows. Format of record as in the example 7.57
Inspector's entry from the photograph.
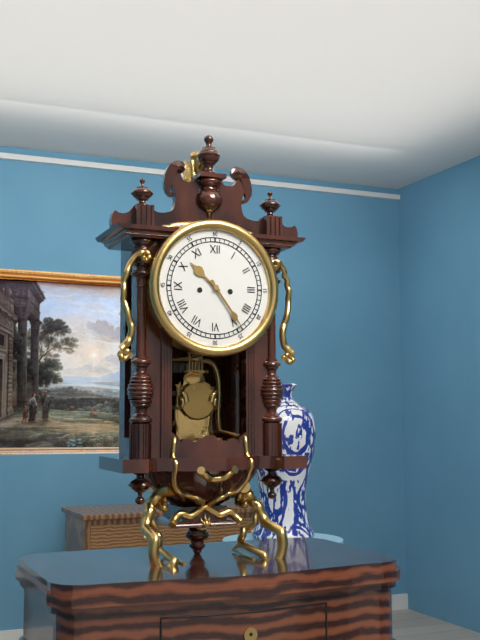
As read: 10.24
